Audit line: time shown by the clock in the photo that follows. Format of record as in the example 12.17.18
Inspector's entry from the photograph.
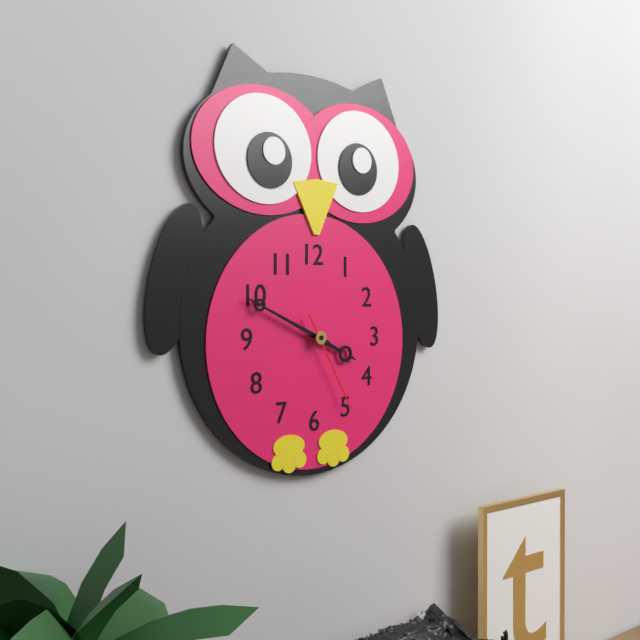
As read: 3.49.25
